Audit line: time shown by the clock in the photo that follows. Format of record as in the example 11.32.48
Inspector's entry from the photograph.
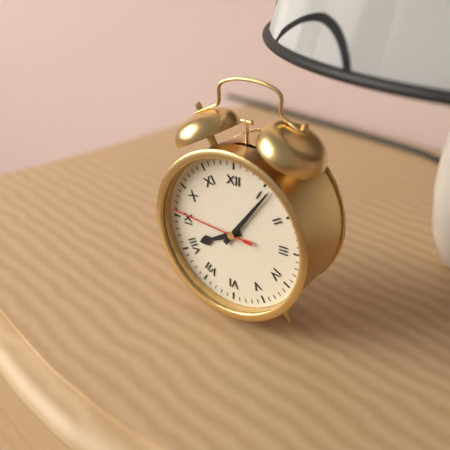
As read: 8.06.46
